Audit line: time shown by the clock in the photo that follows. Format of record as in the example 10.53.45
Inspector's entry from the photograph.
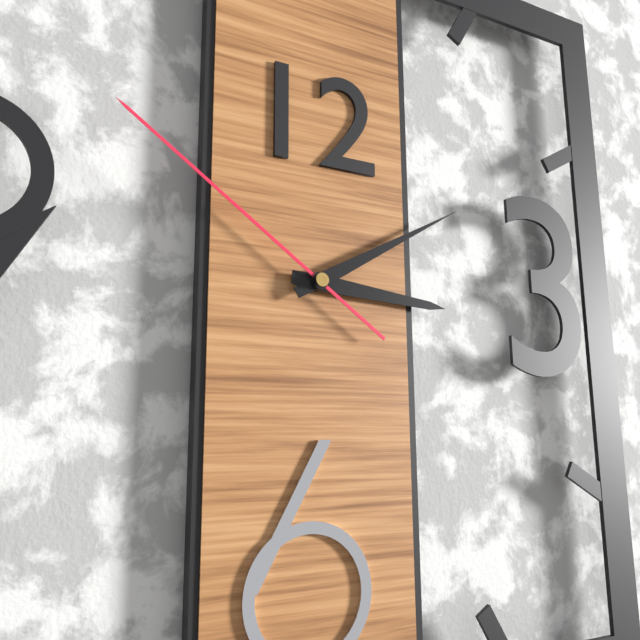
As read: 3.10.51
